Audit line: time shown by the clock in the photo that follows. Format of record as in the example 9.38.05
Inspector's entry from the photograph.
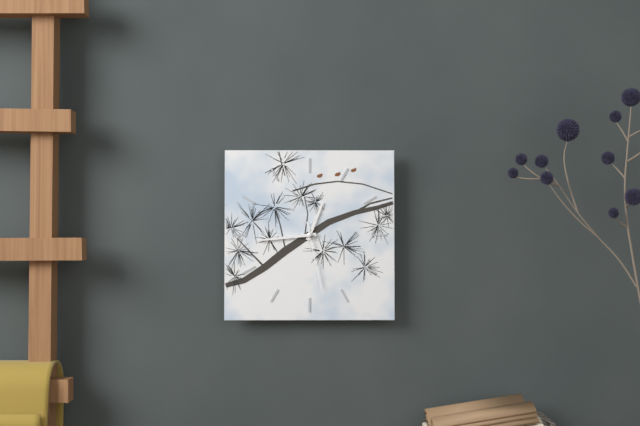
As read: 12.44.28
